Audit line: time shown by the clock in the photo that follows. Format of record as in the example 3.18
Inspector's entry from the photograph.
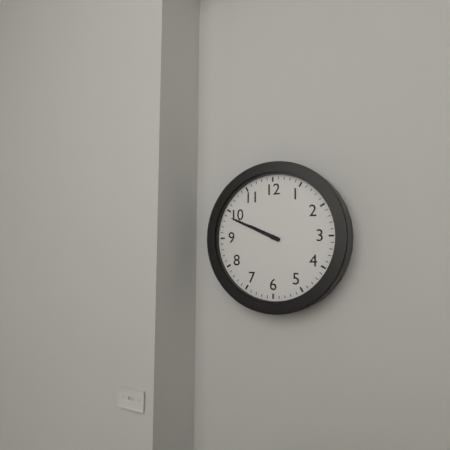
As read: 9.49
